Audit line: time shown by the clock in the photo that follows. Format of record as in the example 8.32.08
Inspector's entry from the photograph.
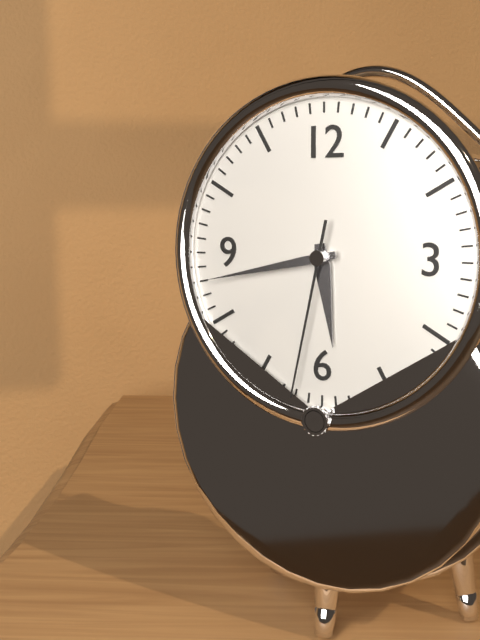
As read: 5.43.32
